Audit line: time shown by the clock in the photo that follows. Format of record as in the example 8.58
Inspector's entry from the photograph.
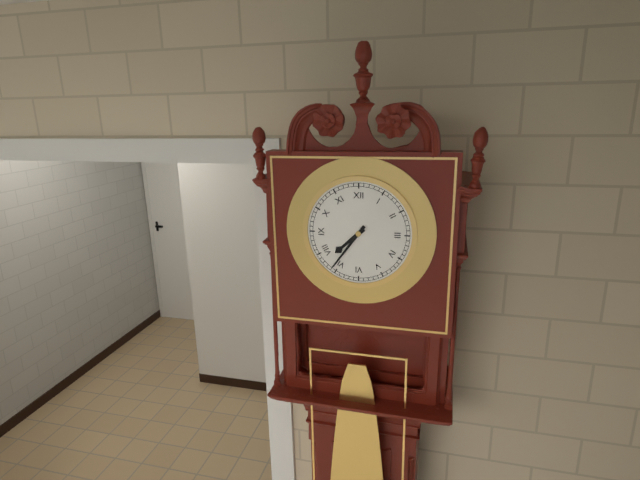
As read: 7.36
